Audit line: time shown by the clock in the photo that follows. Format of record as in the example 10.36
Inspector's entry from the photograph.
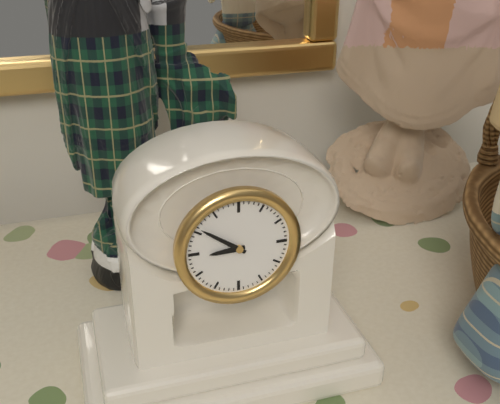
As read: 8.51
